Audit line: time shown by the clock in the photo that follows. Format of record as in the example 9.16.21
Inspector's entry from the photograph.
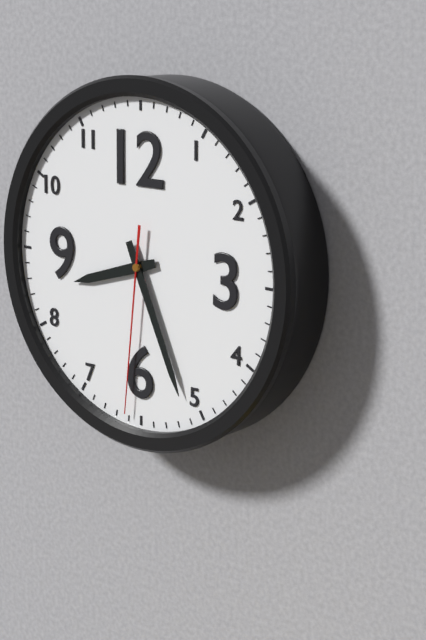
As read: 8.26.31
